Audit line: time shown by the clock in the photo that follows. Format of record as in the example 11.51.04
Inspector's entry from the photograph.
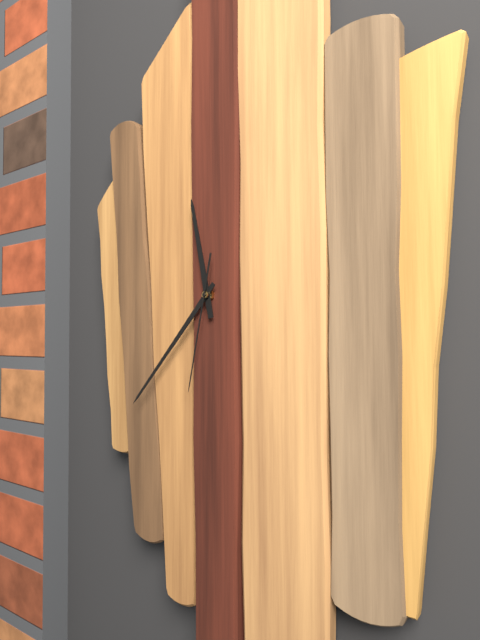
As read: 11.37.32
